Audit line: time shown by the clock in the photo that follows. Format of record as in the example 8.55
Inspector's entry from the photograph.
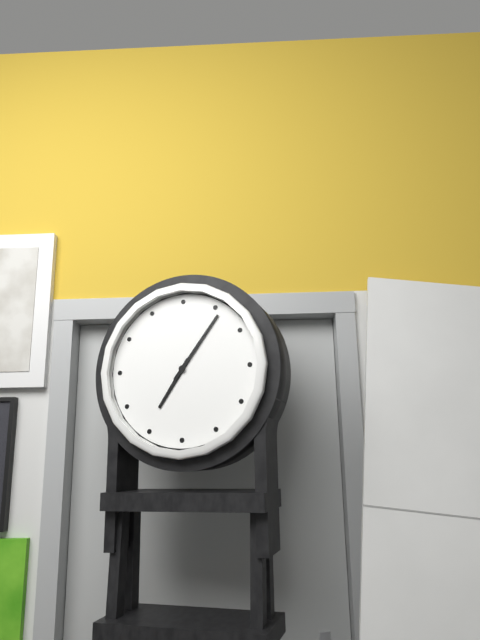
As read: 7.06
